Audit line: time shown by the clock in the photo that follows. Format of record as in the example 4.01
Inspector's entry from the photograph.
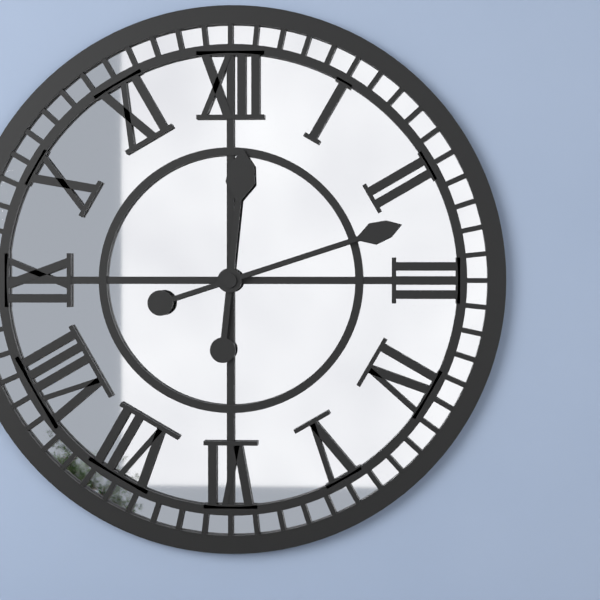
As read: 12.12
